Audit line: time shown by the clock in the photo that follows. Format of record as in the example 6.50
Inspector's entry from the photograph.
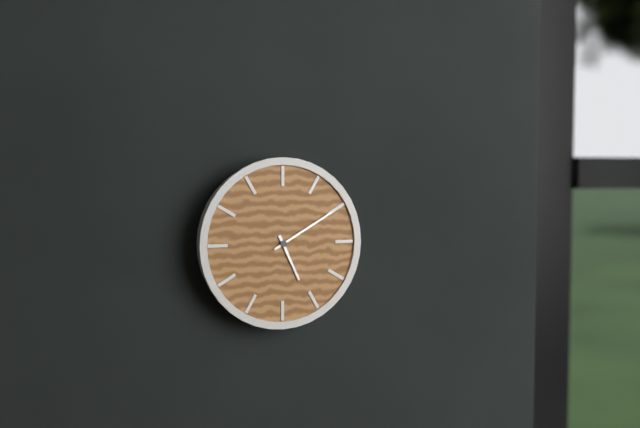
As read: 5.10
